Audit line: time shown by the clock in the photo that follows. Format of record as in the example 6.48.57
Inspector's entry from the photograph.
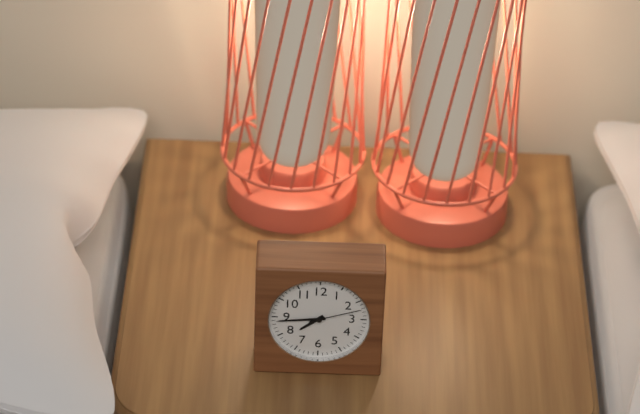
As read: 7.44.12
